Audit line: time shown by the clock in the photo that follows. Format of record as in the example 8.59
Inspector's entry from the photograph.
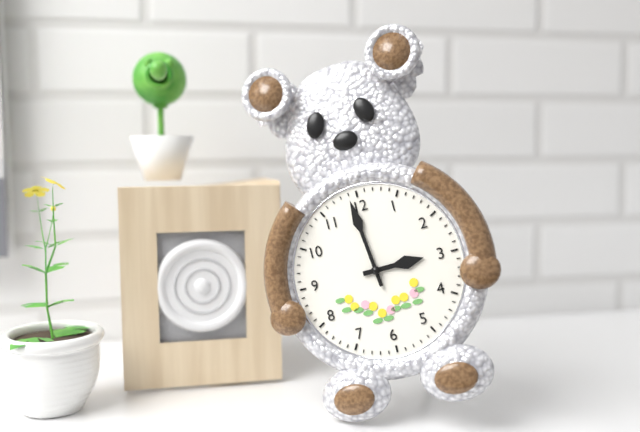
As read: 2.59
